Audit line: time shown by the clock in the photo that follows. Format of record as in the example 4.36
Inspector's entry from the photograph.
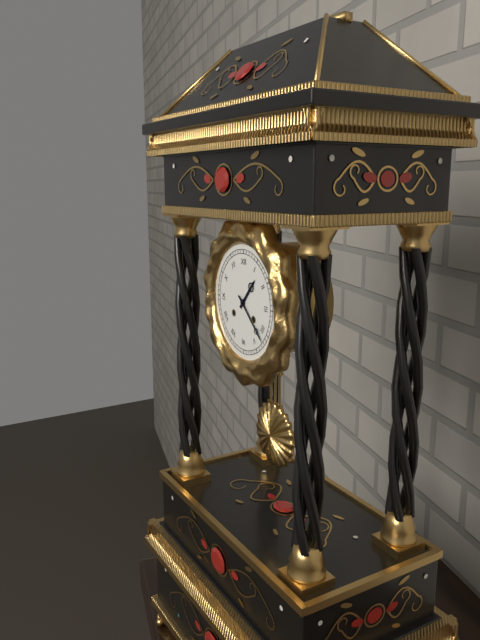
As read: 1.22
